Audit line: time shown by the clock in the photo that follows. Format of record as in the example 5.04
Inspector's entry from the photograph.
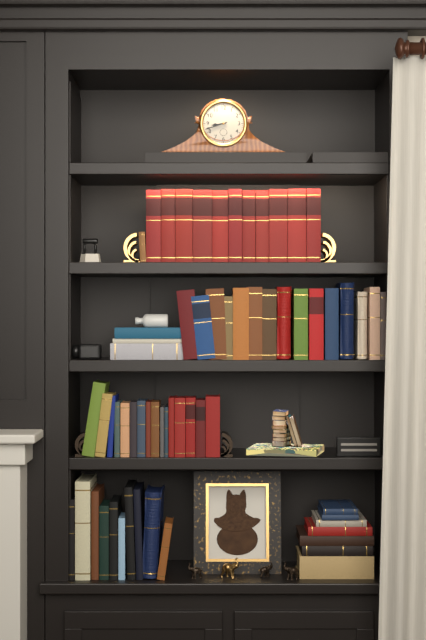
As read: 8.42
